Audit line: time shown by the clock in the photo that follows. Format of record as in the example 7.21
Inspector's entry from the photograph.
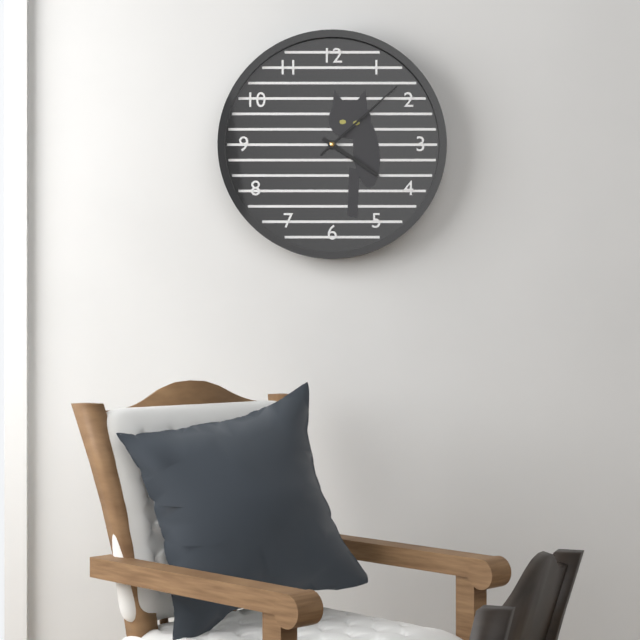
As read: 4.08
